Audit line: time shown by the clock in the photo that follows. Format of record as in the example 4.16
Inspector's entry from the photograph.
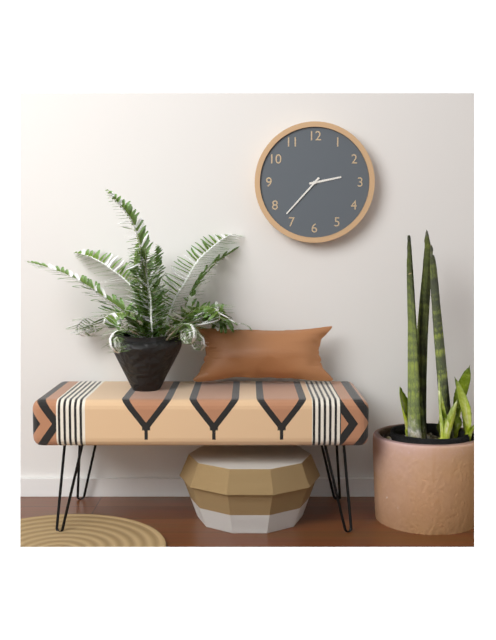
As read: 2.37
